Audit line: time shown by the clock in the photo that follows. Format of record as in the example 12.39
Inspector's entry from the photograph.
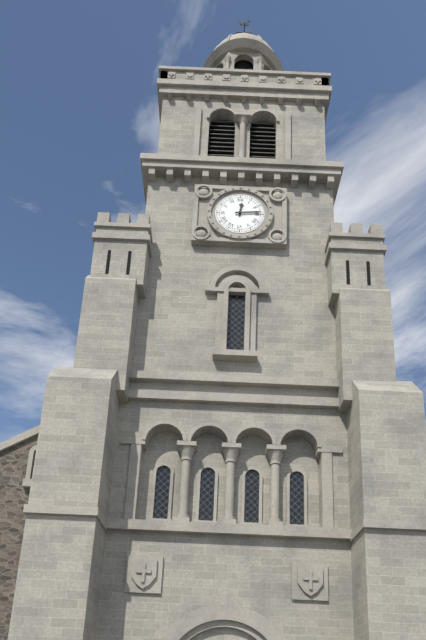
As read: 12.14
